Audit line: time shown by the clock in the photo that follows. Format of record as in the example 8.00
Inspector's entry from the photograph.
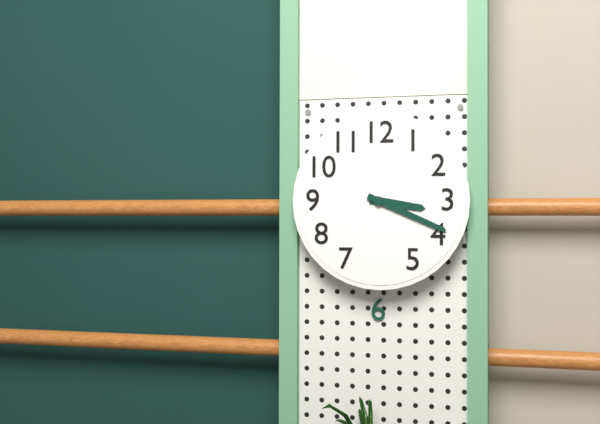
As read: 3.19
